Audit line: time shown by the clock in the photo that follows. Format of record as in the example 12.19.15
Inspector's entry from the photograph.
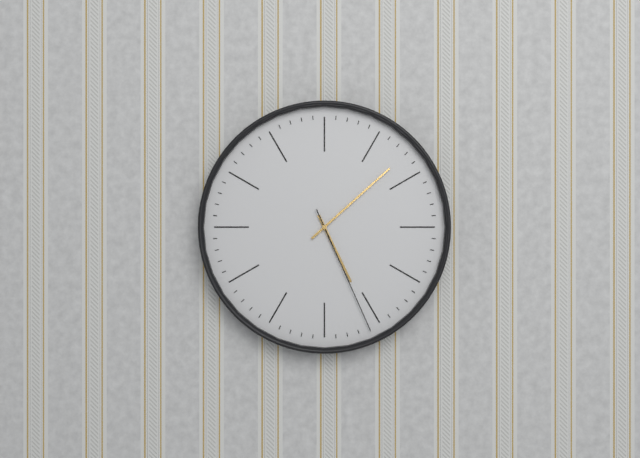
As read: 5.08.26
